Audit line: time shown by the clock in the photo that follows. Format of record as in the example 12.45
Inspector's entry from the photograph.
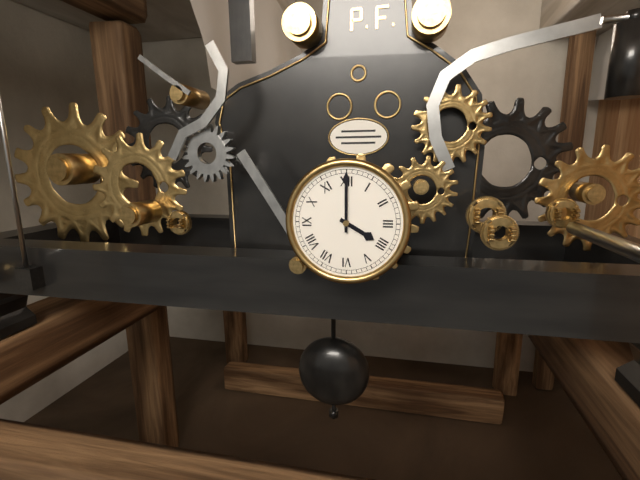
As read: 4.00
